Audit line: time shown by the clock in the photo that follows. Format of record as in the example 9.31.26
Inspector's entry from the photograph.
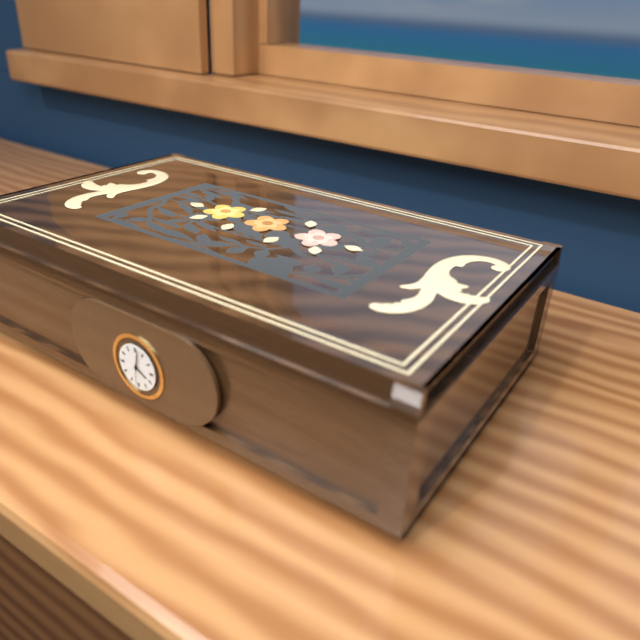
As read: 4.02.31
